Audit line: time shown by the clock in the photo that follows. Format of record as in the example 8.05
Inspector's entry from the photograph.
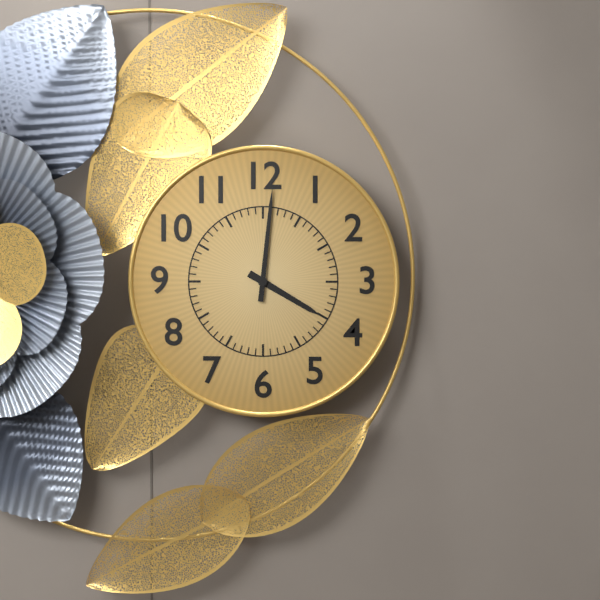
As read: 4.01
